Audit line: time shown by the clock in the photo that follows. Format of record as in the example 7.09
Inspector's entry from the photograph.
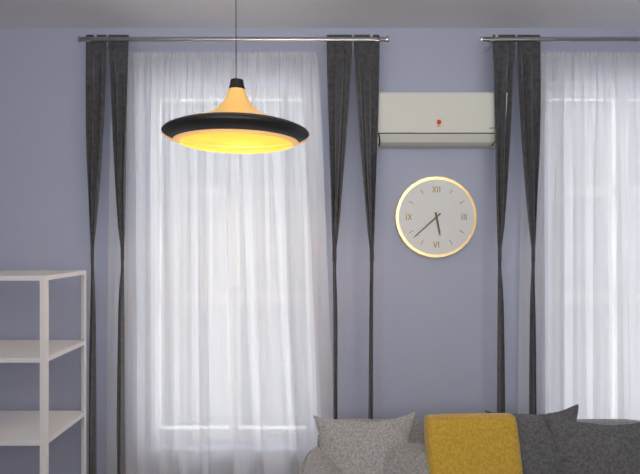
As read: 5.38
